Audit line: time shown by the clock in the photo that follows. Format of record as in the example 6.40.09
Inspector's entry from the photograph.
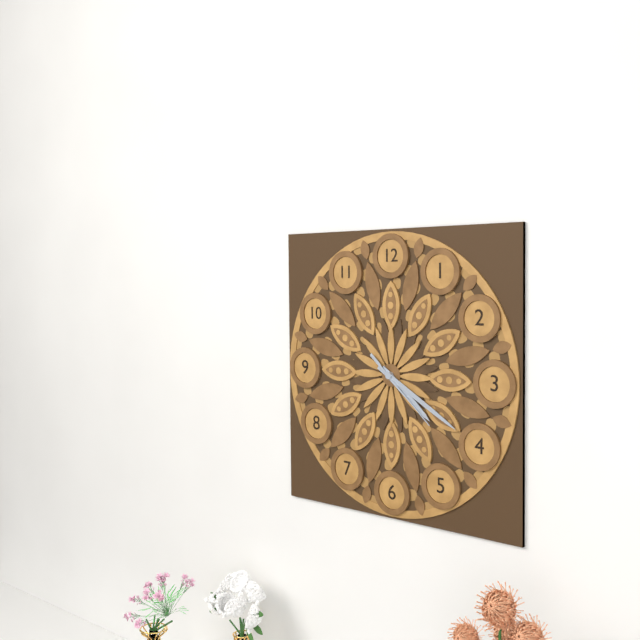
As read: 4.20.22
